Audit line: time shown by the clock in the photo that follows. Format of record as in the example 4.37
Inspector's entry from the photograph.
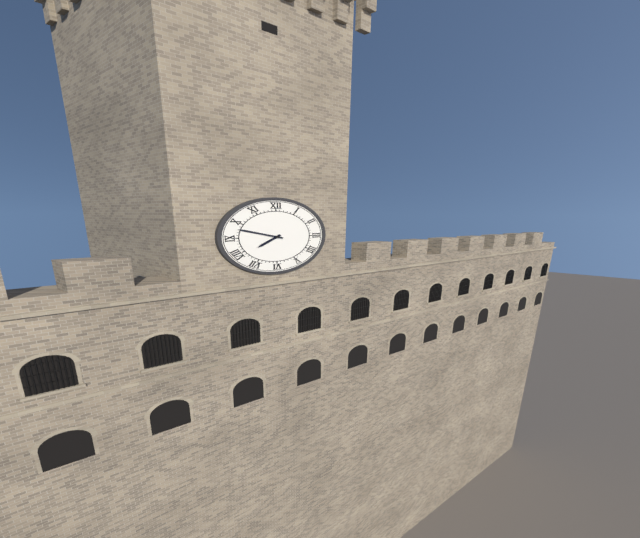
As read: 7.48
